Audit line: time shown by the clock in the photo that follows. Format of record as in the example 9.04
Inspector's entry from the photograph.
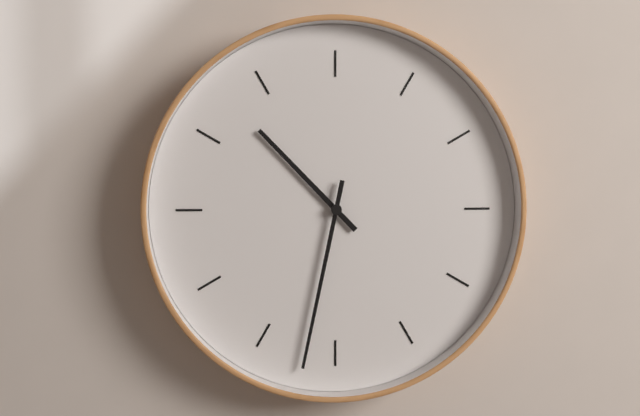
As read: 10.32
